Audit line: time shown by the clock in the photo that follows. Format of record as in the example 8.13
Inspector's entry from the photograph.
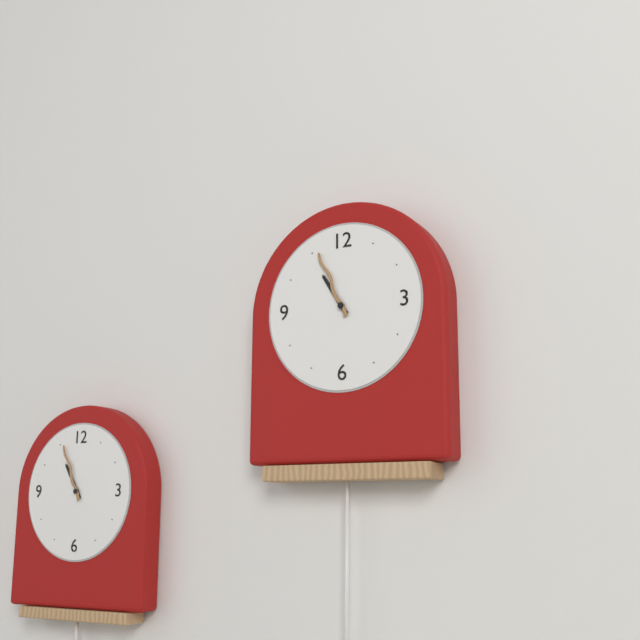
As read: 10.56
